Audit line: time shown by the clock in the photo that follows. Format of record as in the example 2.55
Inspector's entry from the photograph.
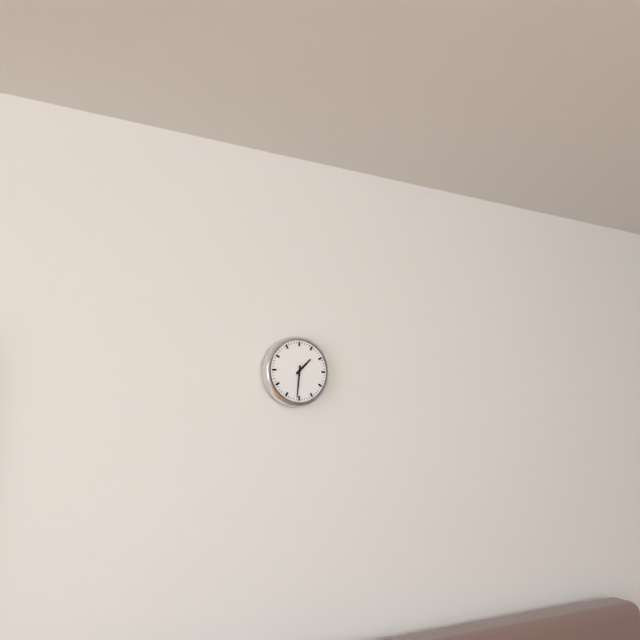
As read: 1.31
